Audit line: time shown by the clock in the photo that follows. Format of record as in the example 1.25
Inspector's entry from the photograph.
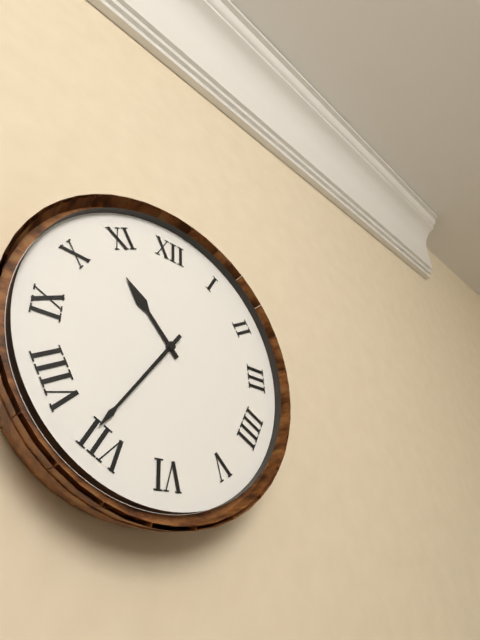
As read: 10.36
